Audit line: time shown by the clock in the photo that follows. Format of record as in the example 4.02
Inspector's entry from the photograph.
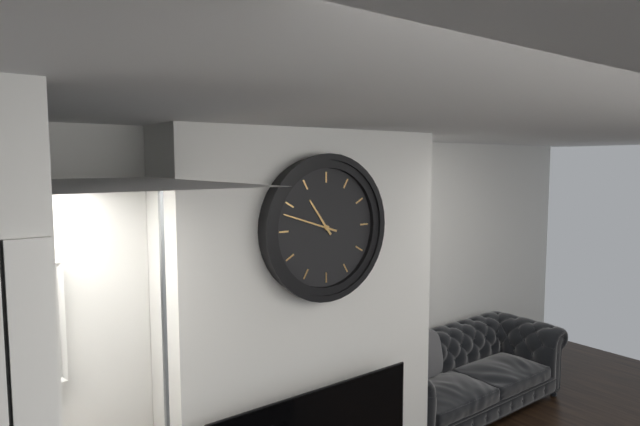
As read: 10.48
